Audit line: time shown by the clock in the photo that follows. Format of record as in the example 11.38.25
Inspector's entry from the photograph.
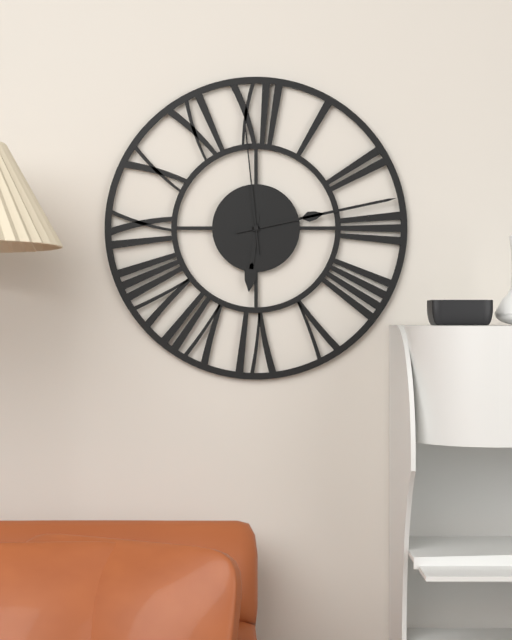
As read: 6.13.59
